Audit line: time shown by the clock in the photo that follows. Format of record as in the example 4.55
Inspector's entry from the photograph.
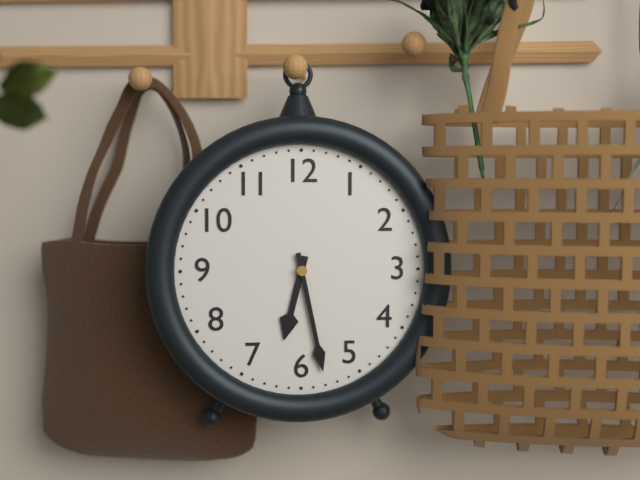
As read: 6.28
